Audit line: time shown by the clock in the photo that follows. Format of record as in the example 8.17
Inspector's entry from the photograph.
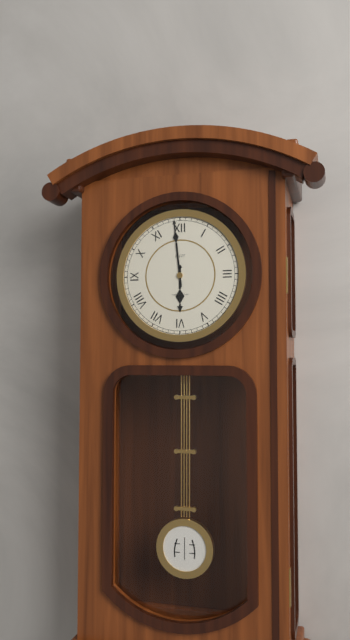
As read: 5.59
